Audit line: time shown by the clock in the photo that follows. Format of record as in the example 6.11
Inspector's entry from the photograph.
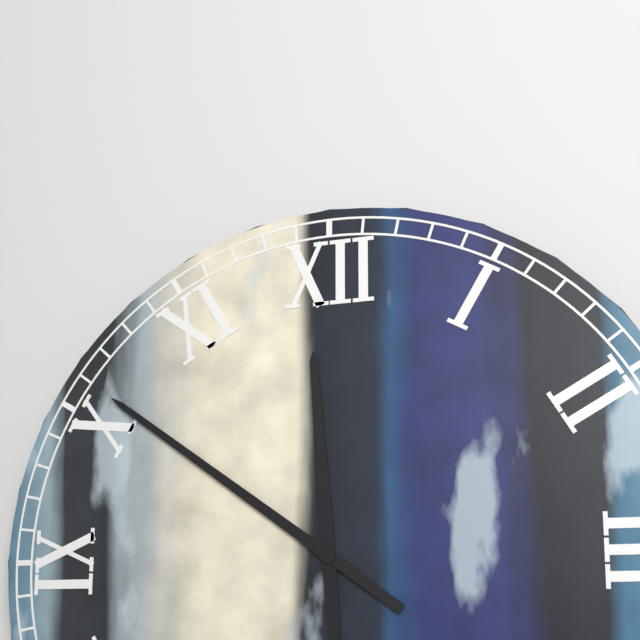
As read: 11.51
